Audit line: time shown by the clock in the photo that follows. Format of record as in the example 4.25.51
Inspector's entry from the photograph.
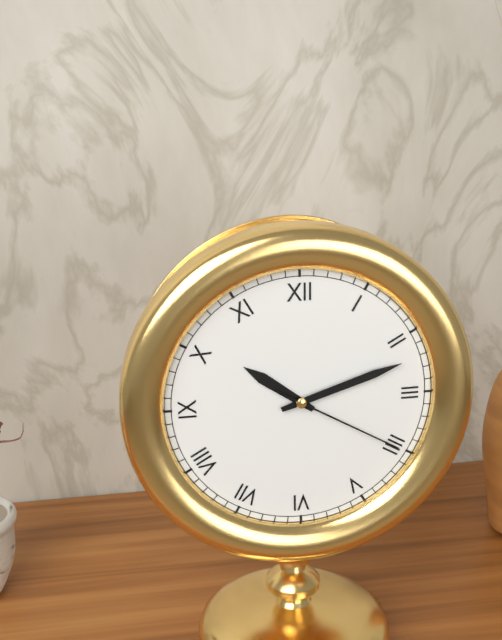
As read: 10.12.20
